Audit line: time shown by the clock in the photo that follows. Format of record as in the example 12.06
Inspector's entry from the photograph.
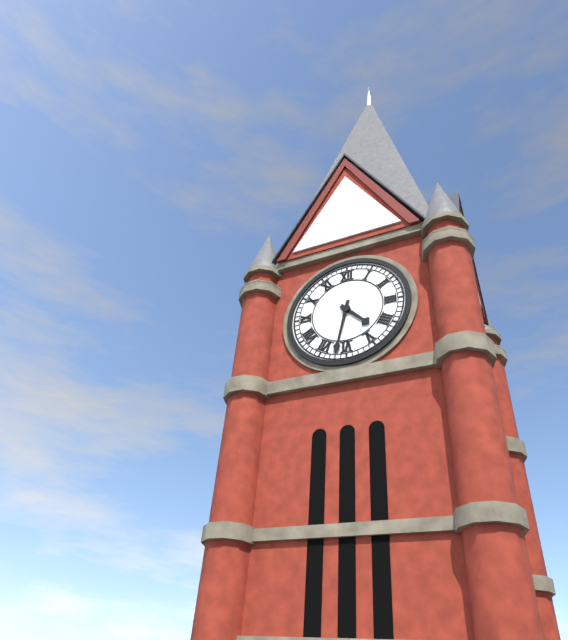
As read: 4.32
